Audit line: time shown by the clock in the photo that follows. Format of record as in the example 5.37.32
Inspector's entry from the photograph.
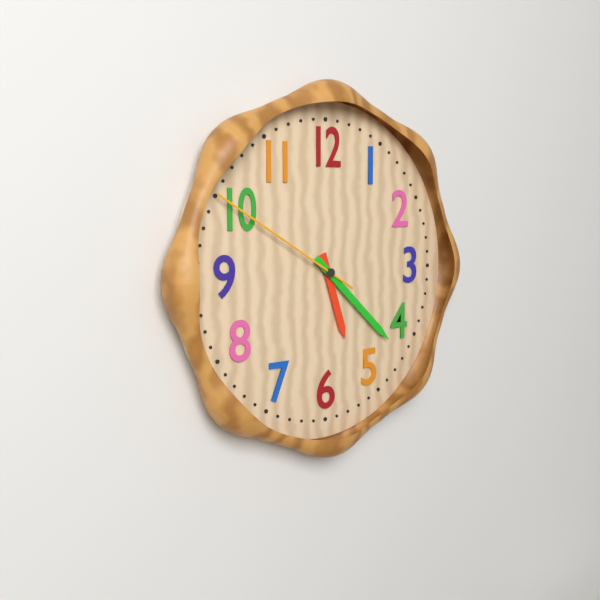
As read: 5.22.50
